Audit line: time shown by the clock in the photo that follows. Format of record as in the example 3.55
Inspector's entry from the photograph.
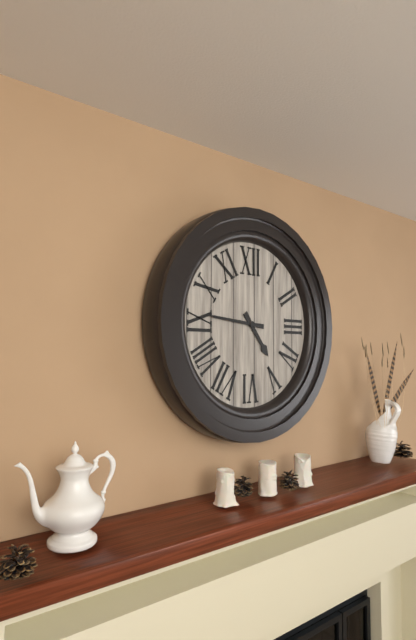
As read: 4.46
